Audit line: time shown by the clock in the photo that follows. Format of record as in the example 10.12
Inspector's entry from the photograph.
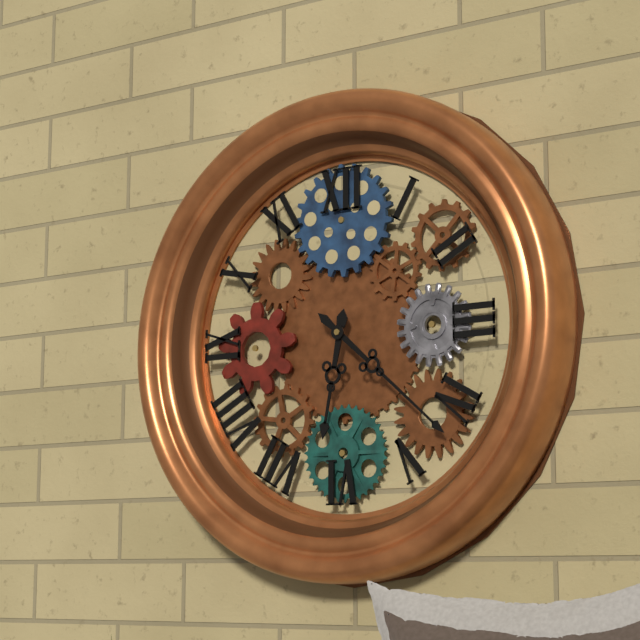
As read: 6.22
